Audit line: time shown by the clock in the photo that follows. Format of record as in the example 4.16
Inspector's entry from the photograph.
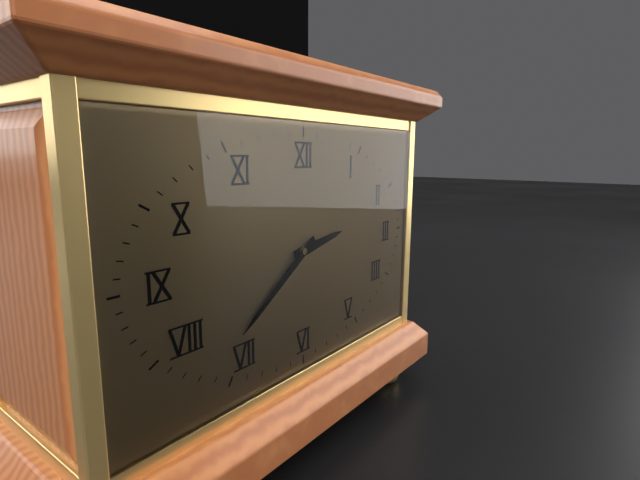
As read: 2.39
